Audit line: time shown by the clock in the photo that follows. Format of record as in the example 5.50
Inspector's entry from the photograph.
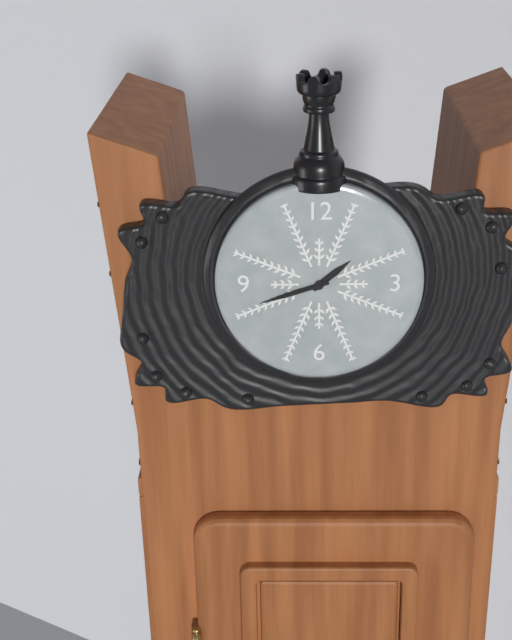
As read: 1.42
